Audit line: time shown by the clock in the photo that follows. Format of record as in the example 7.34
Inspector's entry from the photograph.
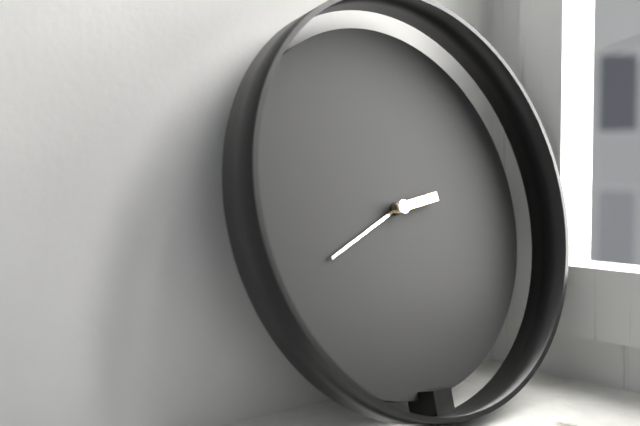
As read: 2.41
